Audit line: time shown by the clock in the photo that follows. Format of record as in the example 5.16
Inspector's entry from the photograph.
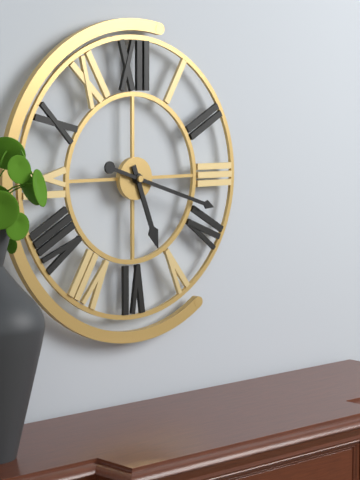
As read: 5.18
